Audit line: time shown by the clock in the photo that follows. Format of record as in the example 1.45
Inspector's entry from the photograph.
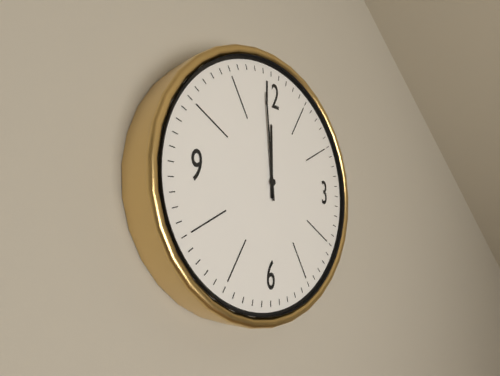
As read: 11.59
